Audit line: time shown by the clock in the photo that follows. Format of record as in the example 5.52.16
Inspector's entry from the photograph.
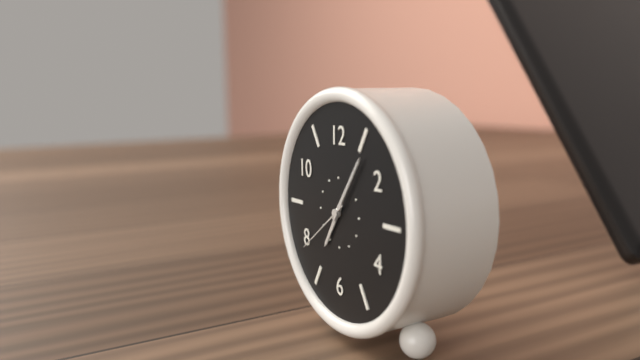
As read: 7.06.39
